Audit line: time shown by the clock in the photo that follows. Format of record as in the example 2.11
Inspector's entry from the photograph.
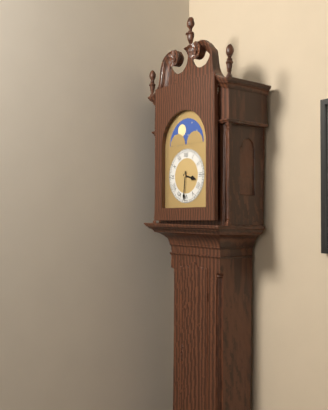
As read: 3.31
